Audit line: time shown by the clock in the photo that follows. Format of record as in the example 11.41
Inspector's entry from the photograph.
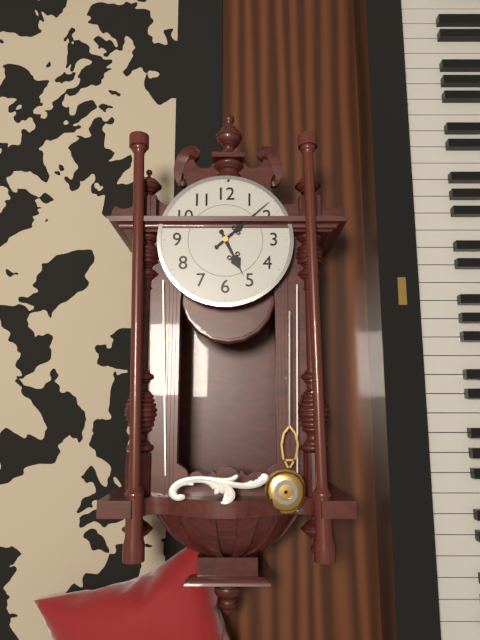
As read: 5.08
